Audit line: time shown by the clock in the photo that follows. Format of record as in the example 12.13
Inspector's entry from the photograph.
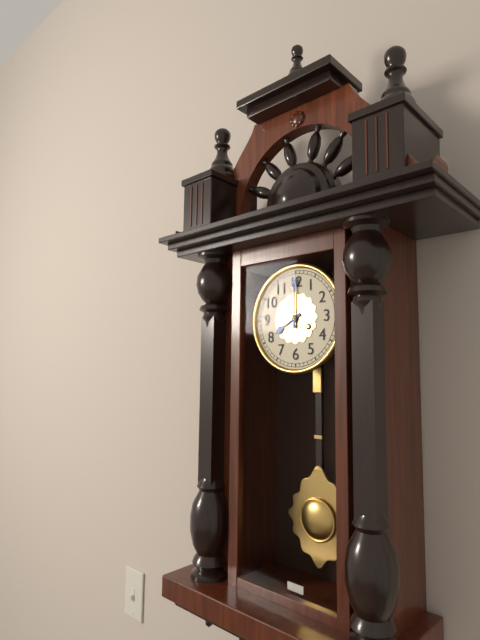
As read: 8.00
